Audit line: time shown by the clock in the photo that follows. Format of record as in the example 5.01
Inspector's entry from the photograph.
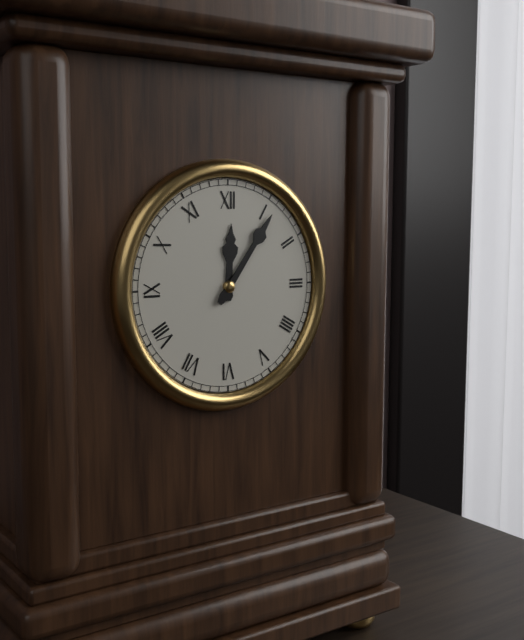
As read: 12.06
